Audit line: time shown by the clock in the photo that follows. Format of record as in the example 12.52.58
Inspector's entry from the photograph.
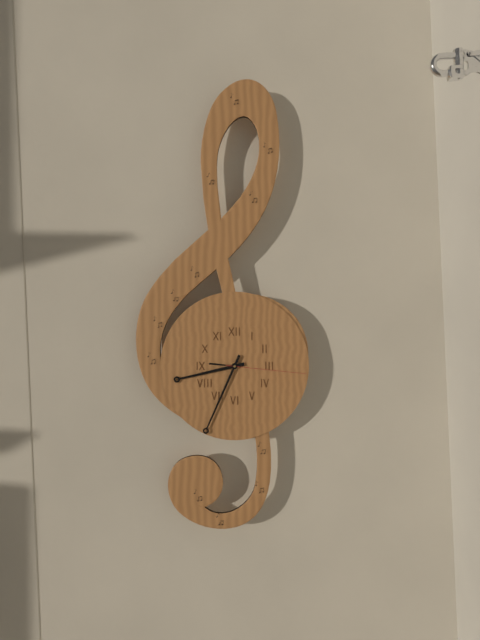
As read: 8.34.16
